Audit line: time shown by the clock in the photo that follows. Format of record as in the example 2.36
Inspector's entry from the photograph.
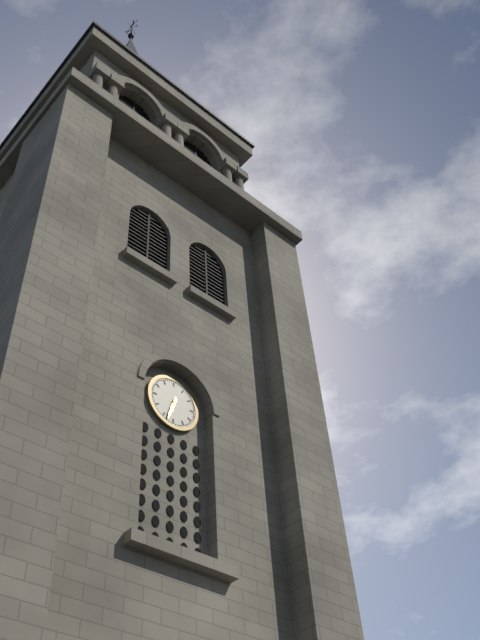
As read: 6.33
